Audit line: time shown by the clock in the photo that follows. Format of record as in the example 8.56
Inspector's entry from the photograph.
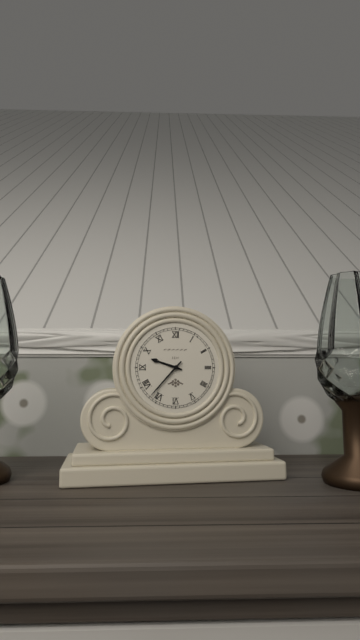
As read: 9.37
